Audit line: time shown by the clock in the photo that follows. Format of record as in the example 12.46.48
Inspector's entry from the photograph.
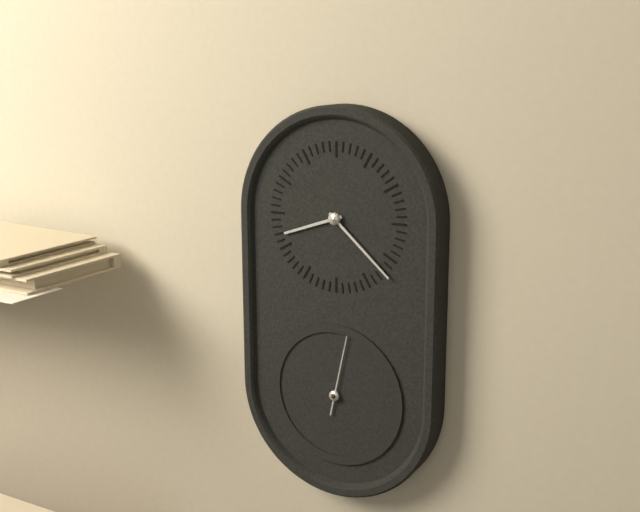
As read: 8.22.02
